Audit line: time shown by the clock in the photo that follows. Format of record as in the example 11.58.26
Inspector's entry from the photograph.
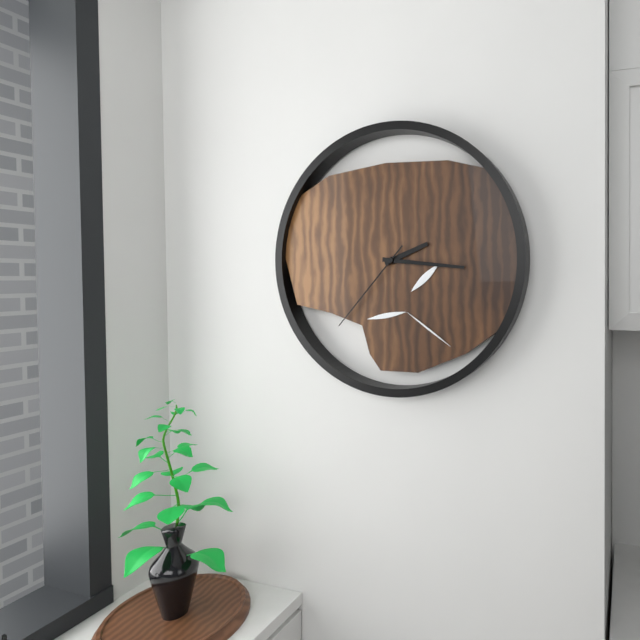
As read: 2.16.37
